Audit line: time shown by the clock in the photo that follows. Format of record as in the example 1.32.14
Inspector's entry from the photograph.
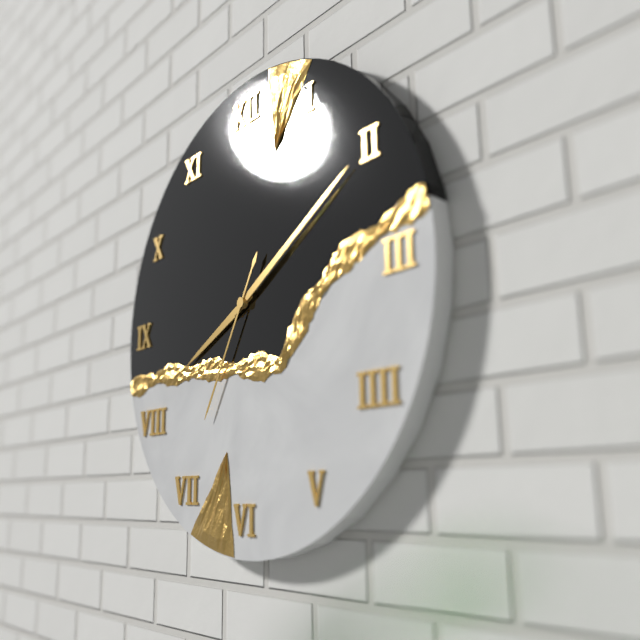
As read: 8.10.35
